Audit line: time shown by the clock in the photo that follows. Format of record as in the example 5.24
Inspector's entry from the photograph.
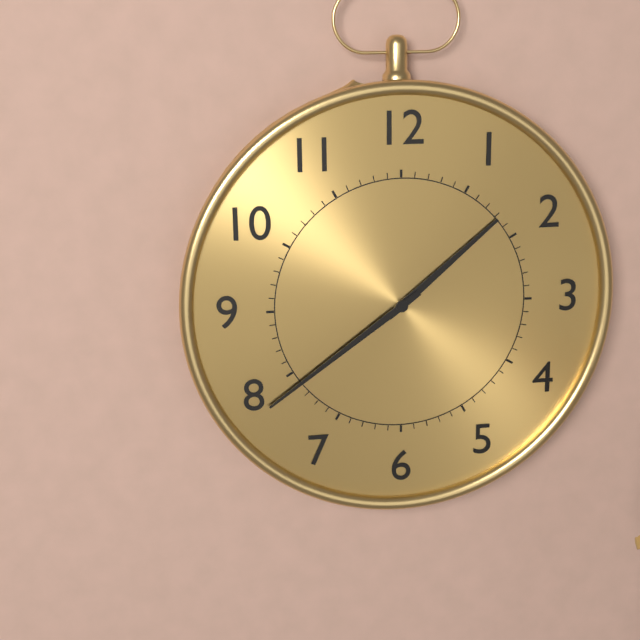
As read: 1.39
